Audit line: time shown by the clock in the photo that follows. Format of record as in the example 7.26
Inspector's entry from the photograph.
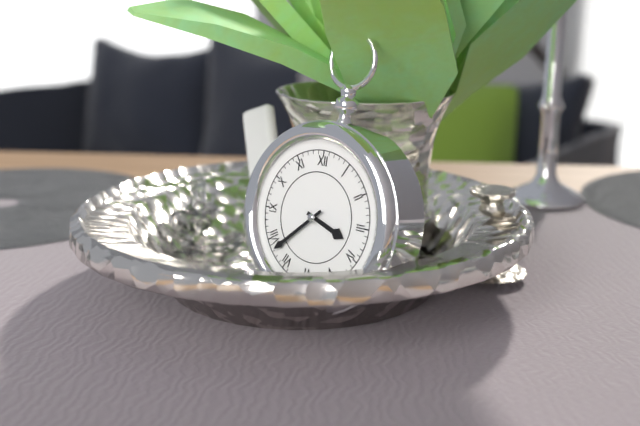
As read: 3.38
